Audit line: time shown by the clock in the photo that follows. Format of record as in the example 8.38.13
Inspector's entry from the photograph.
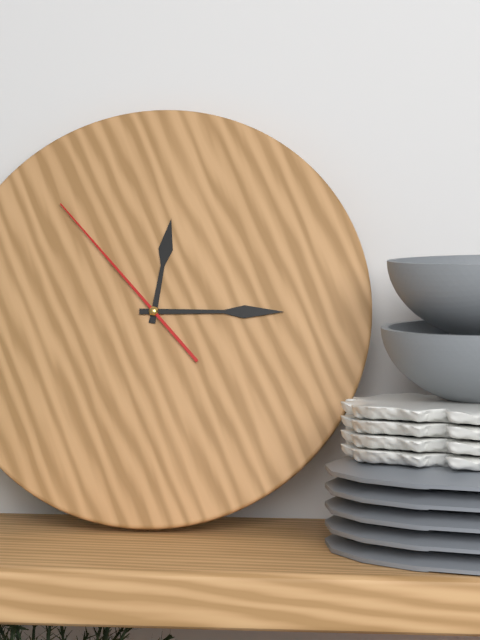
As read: 12.15.53
